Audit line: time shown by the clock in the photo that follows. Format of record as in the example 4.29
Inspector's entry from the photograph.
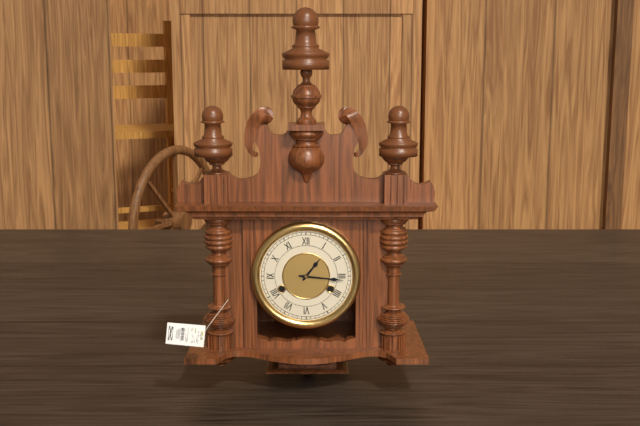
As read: 1.16
